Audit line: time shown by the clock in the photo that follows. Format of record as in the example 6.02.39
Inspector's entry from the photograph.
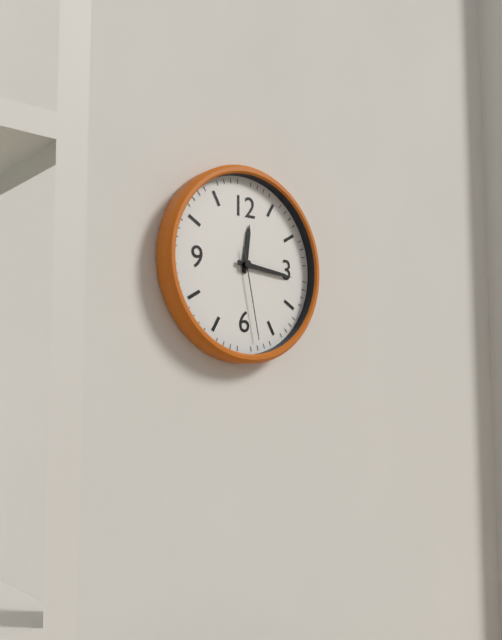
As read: 12.16.28
